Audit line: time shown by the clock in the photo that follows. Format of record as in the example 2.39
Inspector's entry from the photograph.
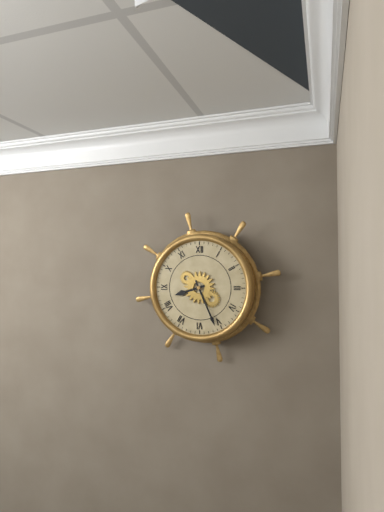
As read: 8.26
